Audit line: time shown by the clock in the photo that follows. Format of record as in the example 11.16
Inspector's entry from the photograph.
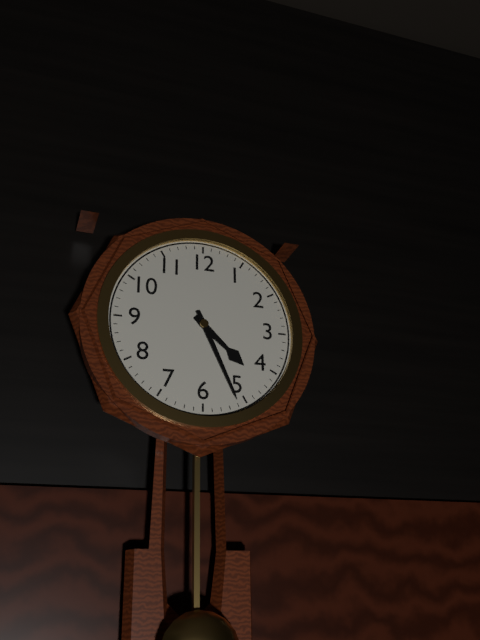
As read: 4.26
